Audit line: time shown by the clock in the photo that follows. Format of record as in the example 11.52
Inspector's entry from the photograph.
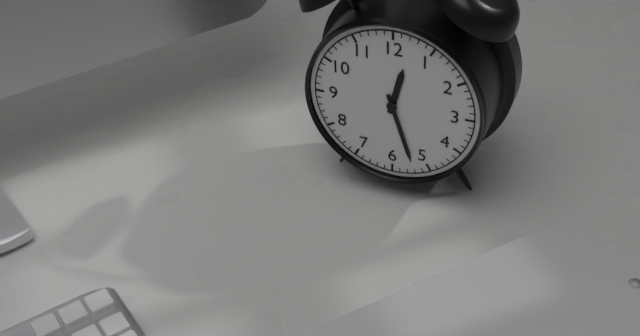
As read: 12.27
